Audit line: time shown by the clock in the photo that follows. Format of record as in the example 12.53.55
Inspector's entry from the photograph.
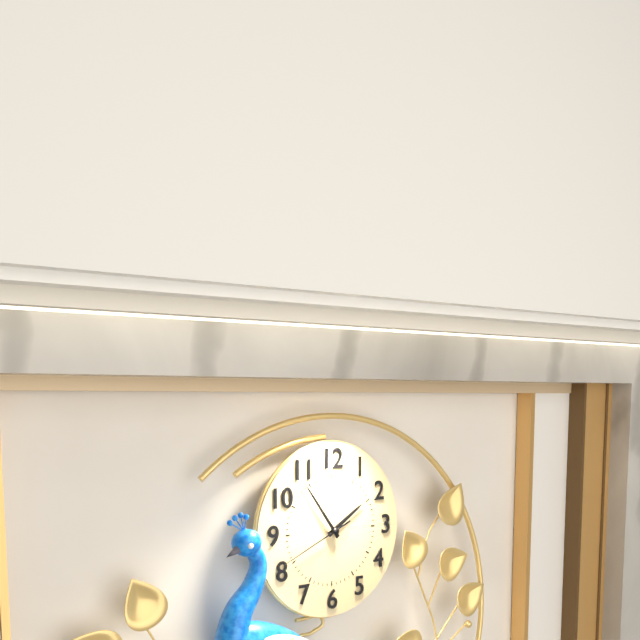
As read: 1.54.41
